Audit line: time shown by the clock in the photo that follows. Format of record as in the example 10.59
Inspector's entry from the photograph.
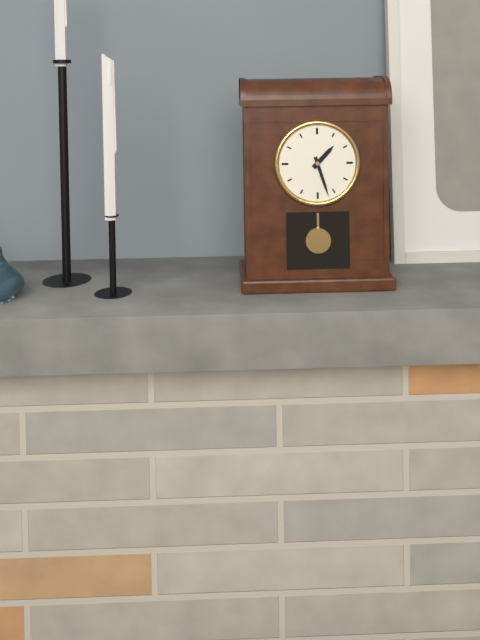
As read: 1.27
